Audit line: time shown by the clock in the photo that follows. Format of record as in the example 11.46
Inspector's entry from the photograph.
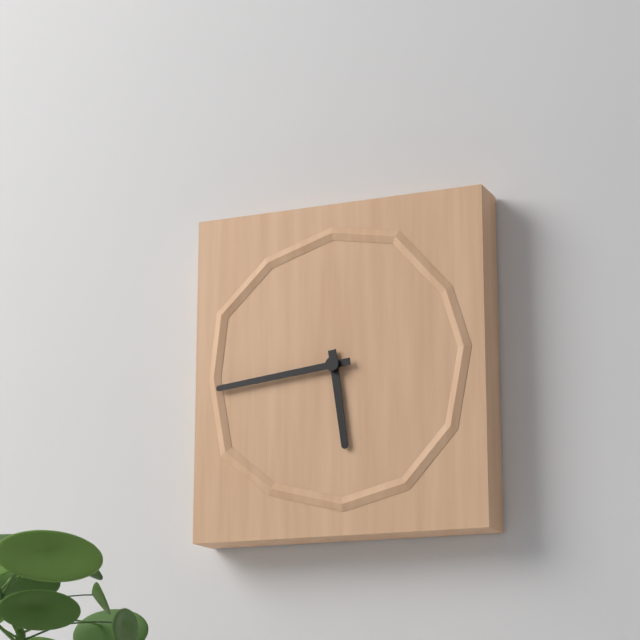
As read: 5.44
